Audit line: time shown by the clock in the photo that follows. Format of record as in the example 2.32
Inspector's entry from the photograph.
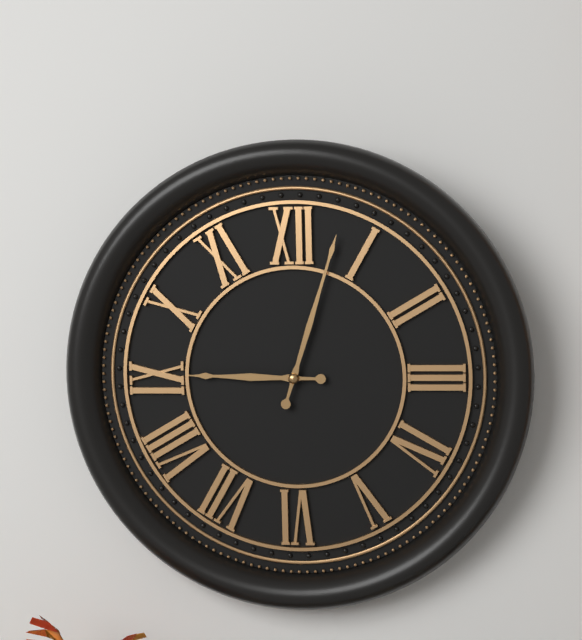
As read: 9.03
